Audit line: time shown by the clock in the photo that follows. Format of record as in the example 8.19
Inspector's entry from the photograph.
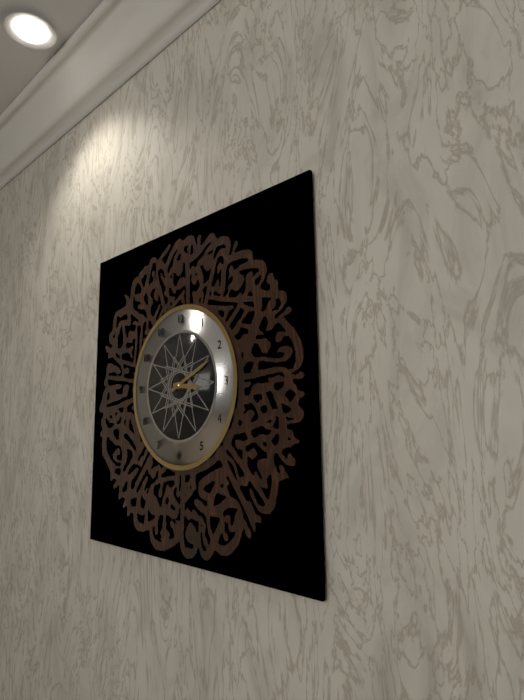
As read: 3.11
